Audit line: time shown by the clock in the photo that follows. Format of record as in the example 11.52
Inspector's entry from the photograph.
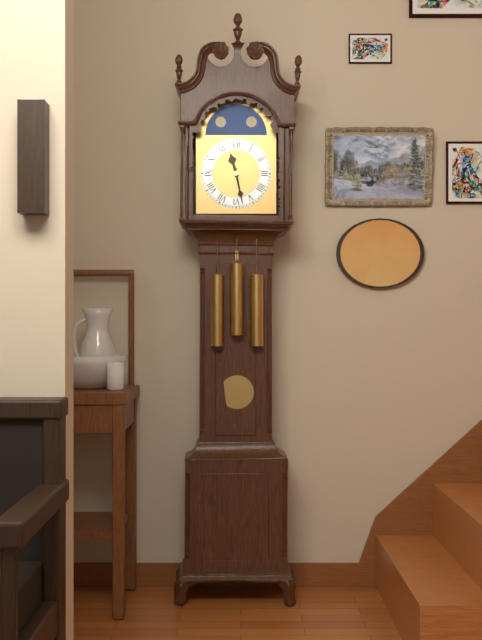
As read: 11.28
